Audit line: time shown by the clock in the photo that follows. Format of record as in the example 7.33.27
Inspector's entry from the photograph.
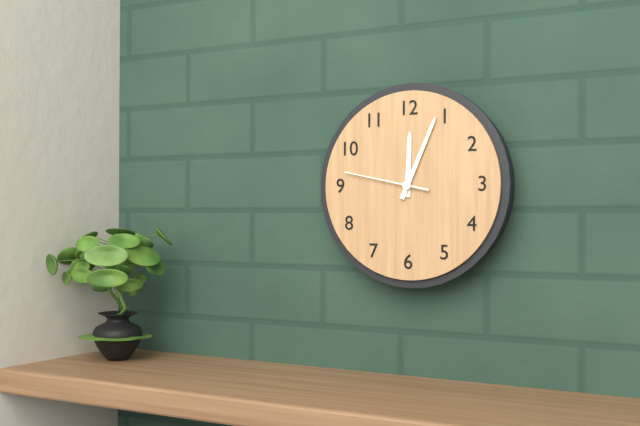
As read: 12.04.47
